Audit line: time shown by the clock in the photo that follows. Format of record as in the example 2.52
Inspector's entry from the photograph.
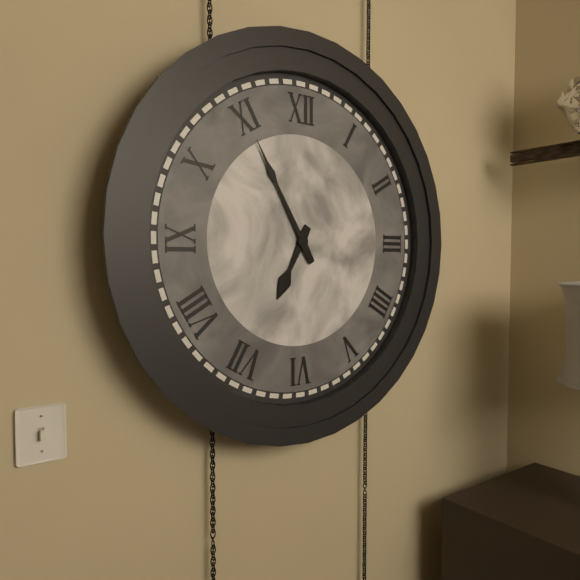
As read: 6.55
